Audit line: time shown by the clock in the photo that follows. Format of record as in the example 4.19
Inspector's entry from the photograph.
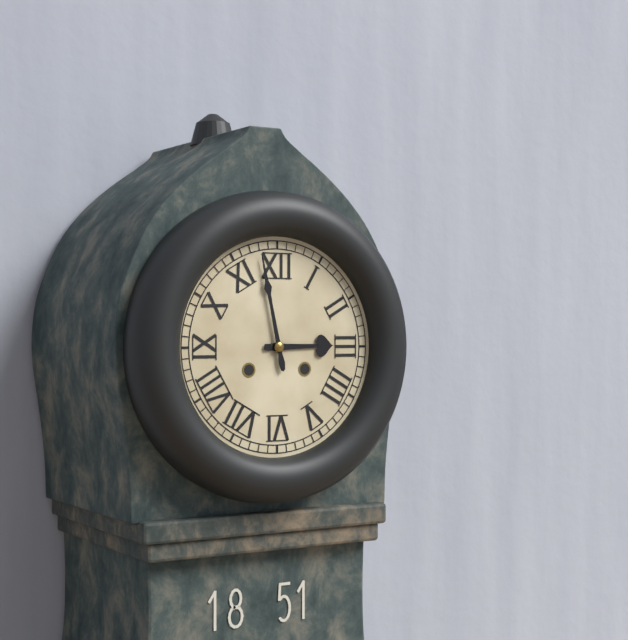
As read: 2.58
